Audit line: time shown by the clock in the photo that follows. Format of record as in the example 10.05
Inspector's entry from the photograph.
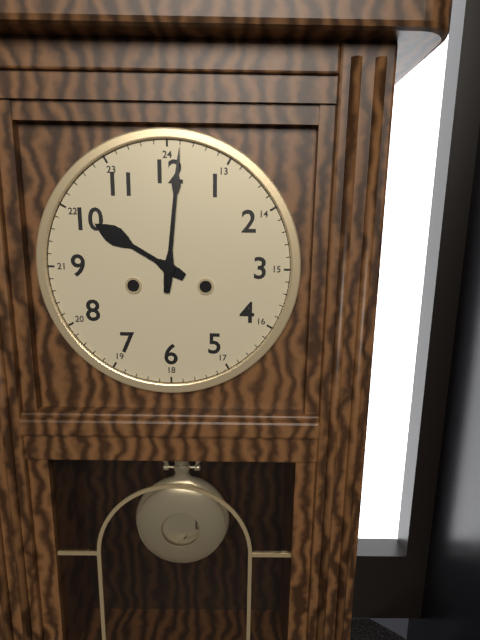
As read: 10.01
